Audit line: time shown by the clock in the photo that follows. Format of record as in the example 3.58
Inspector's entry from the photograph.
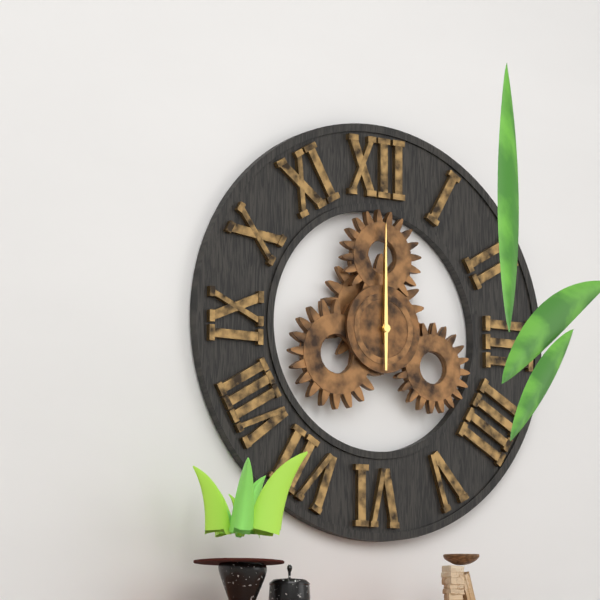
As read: 12.00
